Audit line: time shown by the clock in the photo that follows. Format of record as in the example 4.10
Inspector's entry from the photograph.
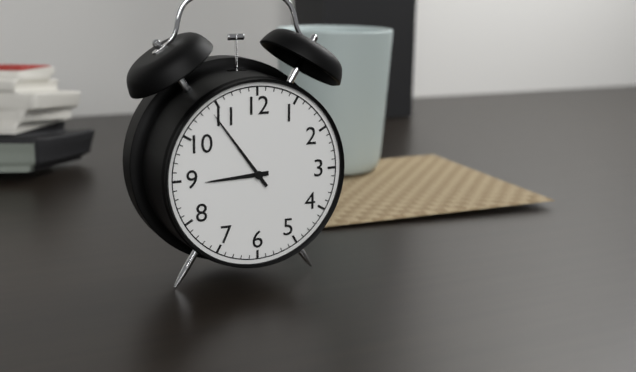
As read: 8.54
